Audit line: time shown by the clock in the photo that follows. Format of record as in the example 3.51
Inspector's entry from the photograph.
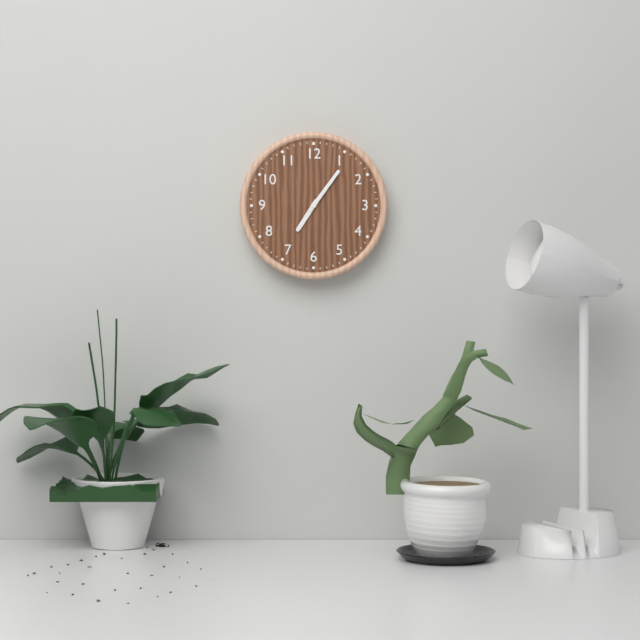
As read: 7.06
